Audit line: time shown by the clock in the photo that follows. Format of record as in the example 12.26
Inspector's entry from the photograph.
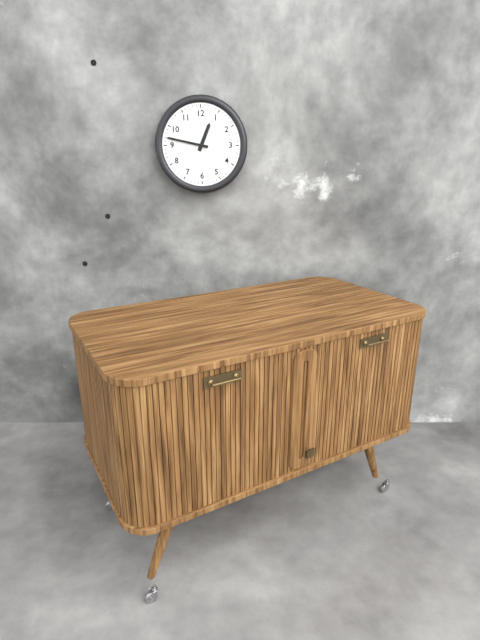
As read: 12.47
